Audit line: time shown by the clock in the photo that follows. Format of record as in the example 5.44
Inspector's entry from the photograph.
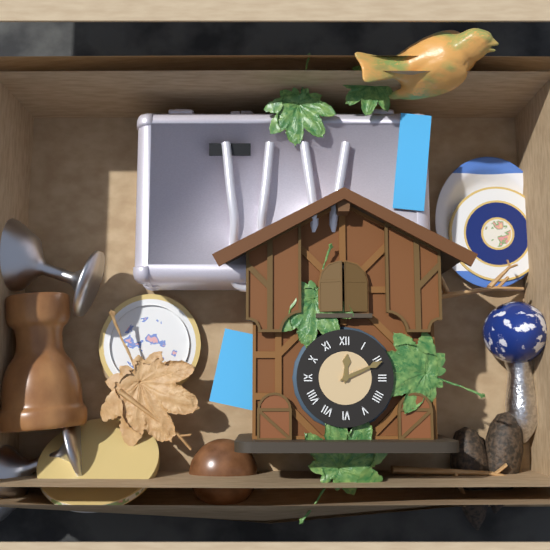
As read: 12.11
